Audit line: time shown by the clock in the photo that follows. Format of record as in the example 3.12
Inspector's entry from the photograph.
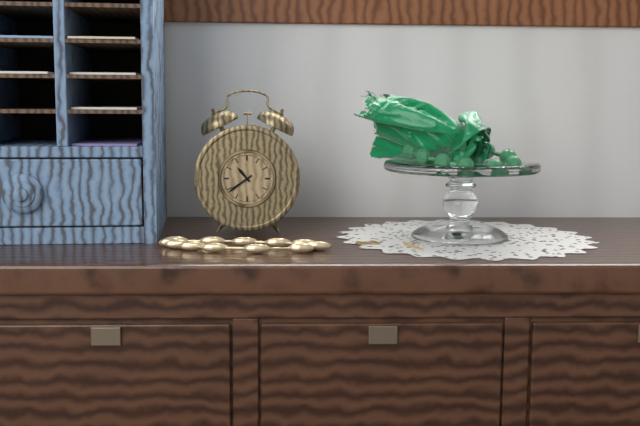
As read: 10.39
